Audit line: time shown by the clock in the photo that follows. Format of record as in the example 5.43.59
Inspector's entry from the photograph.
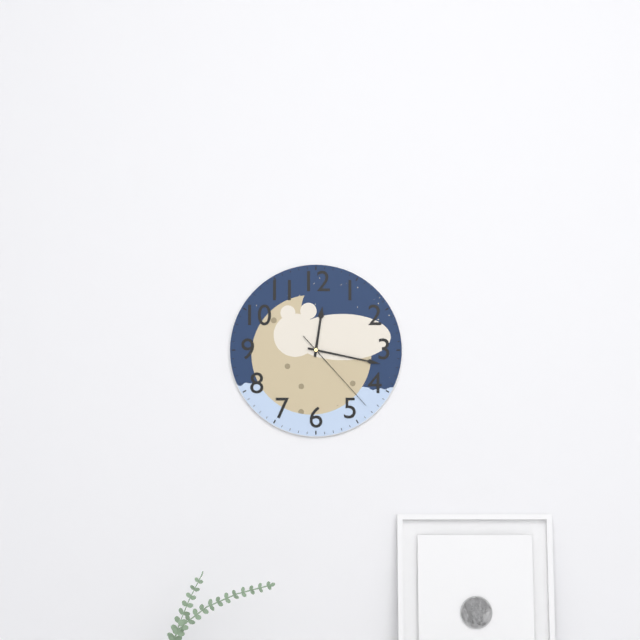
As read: 12.17.23
